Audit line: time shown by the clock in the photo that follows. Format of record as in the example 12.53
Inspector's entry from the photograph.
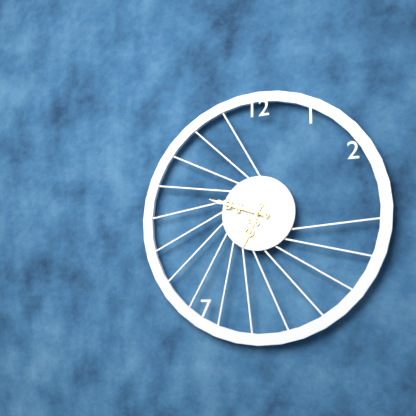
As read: 6.48
